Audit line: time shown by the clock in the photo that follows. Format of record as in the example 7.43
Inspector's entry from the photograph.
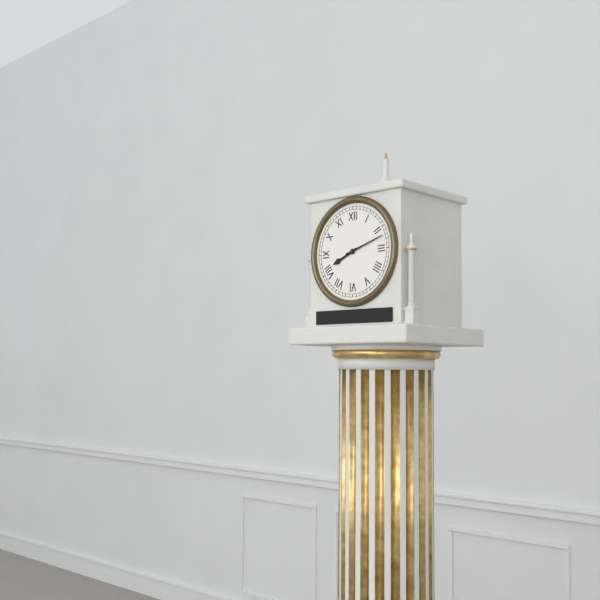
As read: 8.12
